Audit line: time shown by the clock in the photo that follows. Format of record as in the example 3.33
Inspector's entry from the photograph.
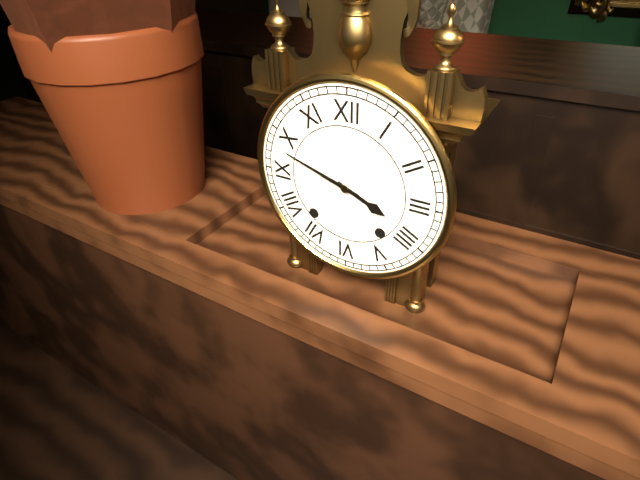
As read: 3.48
